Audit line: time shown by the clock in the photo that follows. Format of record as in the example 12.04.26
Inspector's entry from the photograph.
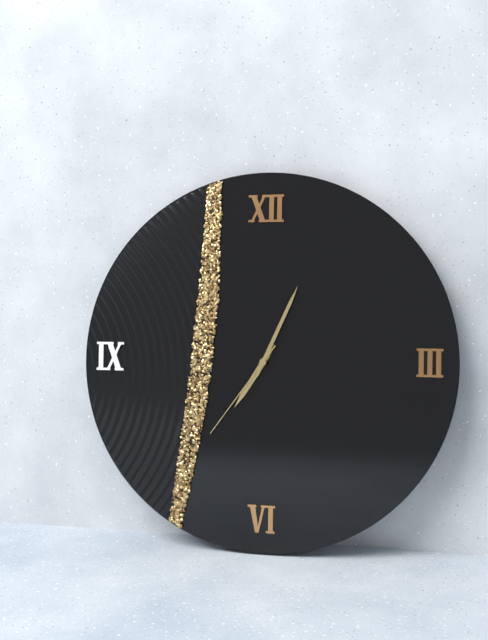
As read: 7.04.36
